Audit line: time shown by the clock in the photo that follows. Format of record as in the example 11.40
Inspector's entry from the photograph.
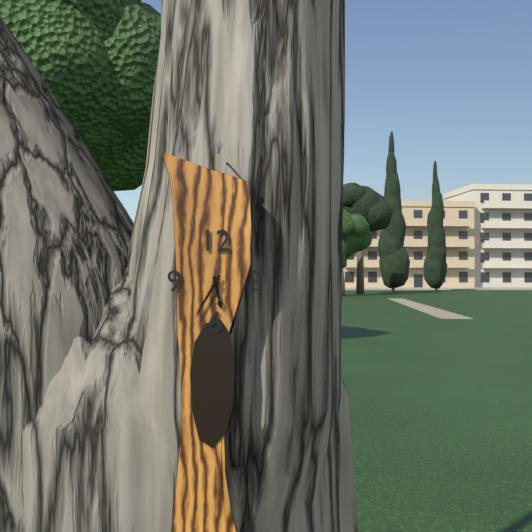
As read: 5.35
